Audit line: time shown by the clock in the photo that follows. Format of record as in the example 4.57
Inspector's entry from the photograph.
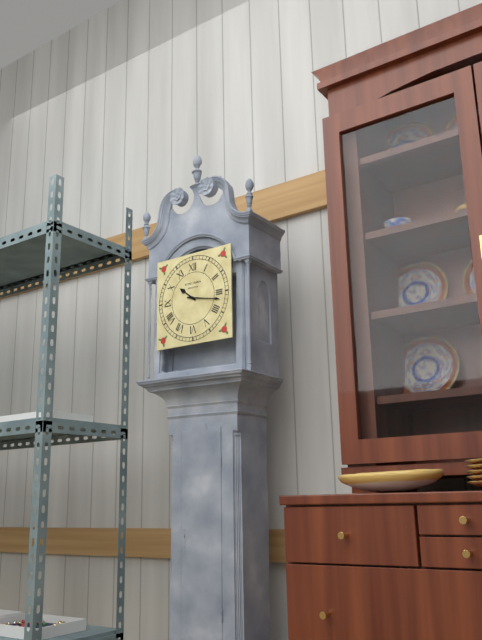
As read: 10.17
